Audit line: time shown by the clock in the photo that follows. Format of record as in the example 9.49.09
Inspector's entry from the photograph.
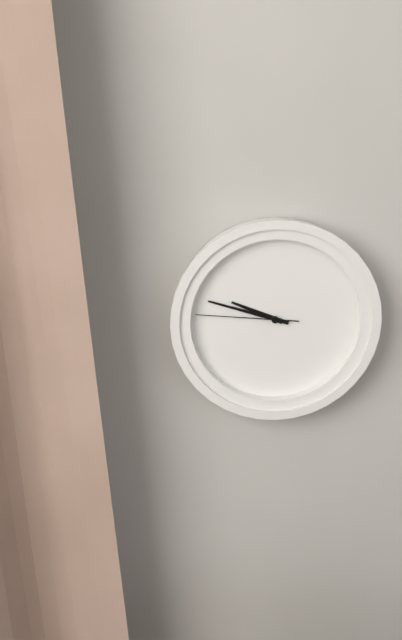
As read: 9.48.46
